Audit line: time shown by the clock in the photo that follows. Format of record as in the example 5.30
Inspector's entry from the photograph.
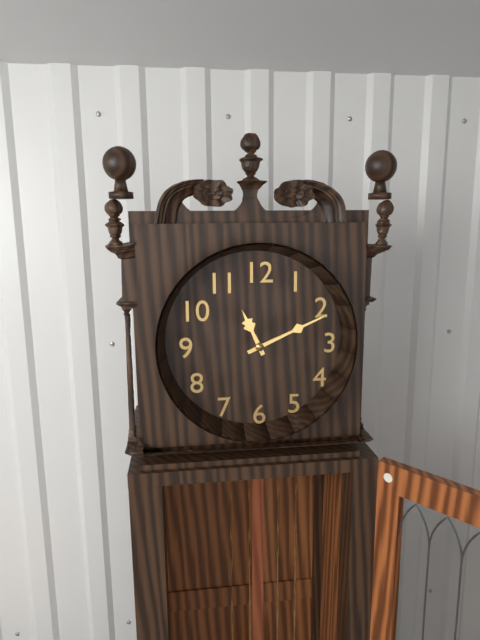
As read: 11.11
